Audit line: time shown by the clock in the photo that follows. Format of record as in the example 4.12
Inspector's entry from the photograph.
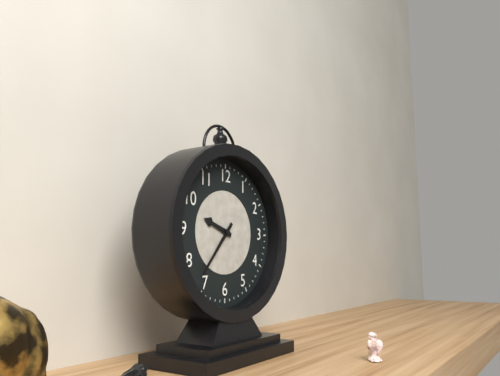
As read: 9.37
